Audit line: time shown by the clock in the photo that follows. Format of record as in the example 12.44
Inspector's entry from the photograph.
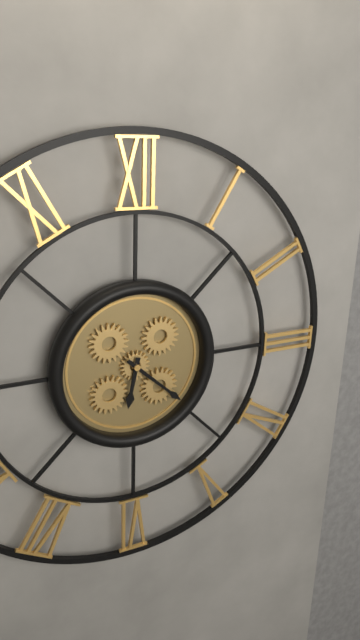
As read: 6.22
